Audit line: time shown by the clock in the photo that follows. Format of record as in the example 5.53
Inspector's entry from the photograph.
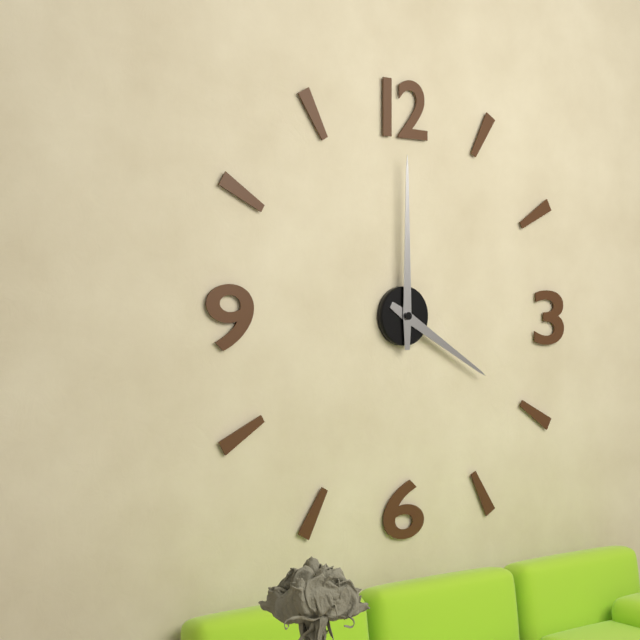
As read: 4.00
